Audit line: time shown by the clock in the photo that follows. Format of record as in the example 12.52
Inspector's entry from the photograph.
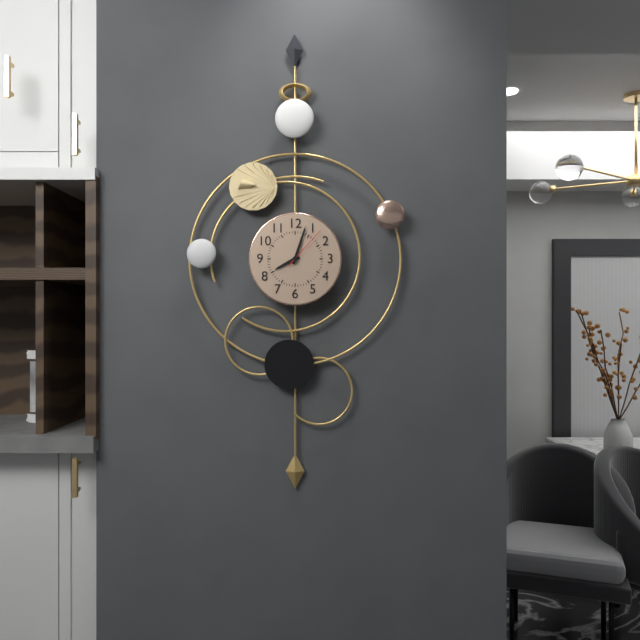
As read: 8.03
